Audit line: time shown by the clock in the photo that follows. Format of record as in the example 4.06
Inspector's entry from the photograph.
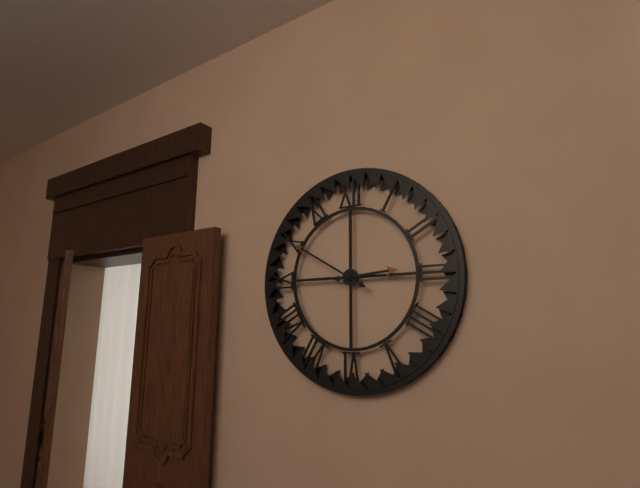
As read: 2.50
